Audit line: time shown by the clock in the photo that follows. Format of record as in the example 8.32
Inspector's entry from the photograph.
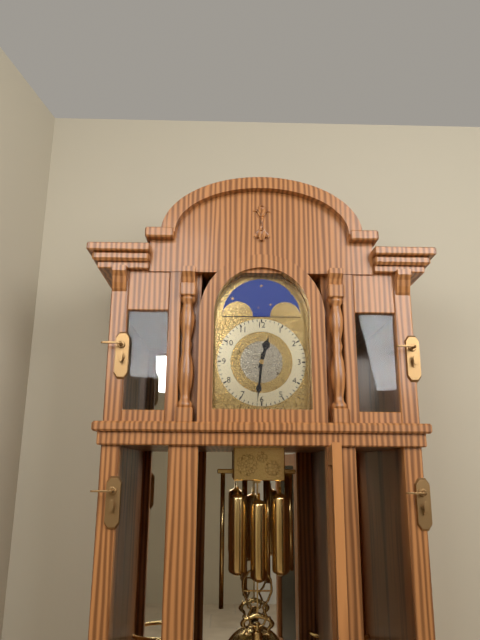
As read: 12.31
